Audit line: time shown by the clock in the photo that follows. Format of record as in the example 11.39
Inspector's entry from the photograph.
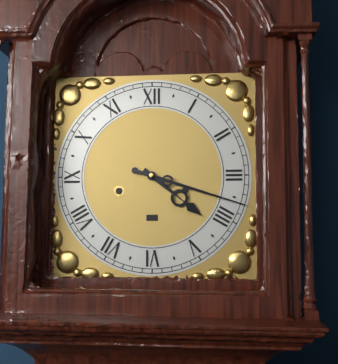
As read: 4.18
